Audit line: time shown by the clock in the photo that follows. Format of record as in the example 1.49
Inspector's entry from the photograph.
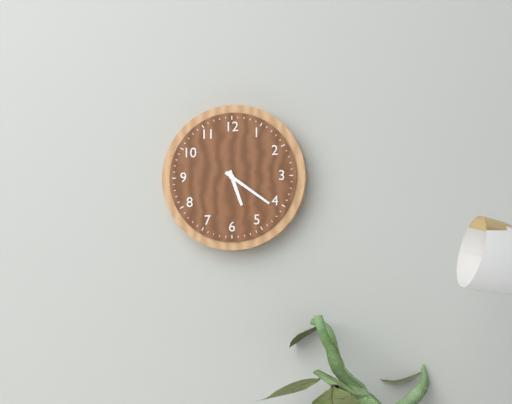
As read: 5.21
